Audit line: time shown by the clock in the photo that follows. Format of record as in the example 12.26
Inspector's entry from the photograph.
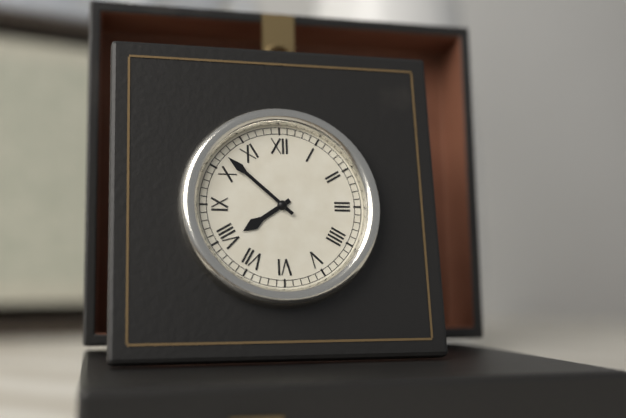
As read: 7.52
